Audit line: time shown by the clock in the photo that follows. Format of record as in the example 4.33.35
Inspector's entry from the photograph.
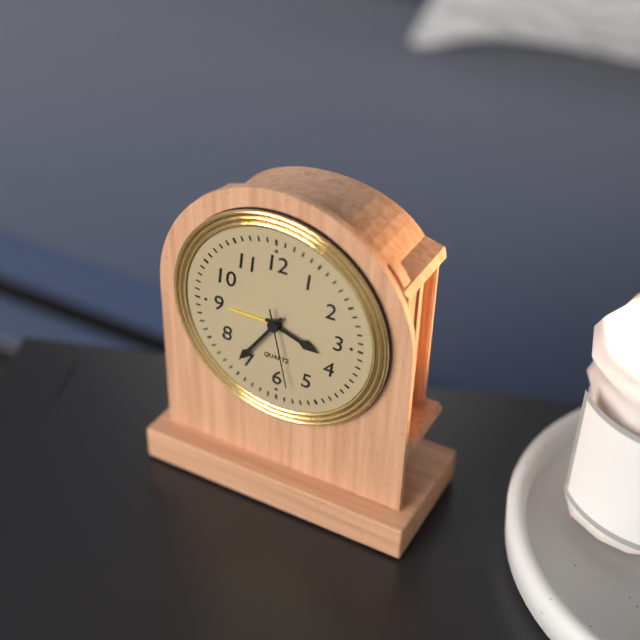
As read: 3.36.28
